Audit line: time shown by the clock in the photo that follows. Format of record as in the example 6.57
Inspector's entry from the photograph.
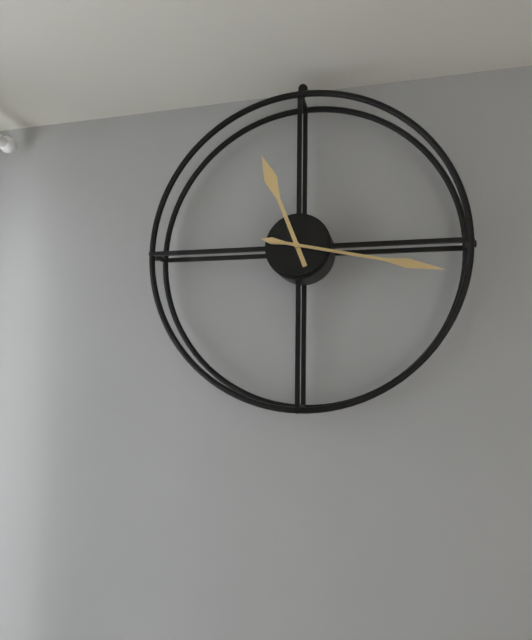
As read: 11.17
